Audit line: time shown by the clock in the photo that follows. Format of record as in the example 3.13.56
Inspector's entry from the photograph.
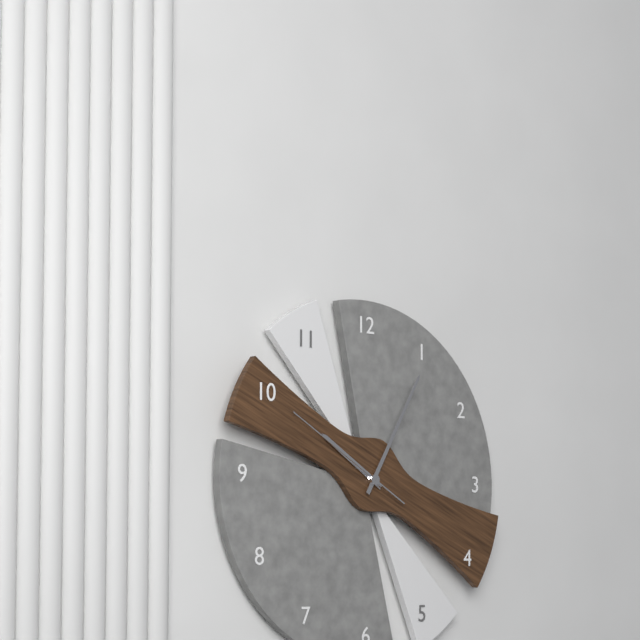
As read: 10.05.50
